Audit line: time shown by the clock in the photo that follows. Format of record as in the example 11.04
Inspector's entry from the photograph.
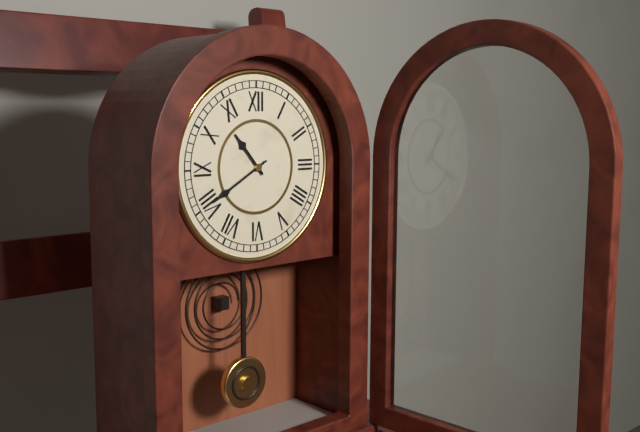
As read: 10.40
